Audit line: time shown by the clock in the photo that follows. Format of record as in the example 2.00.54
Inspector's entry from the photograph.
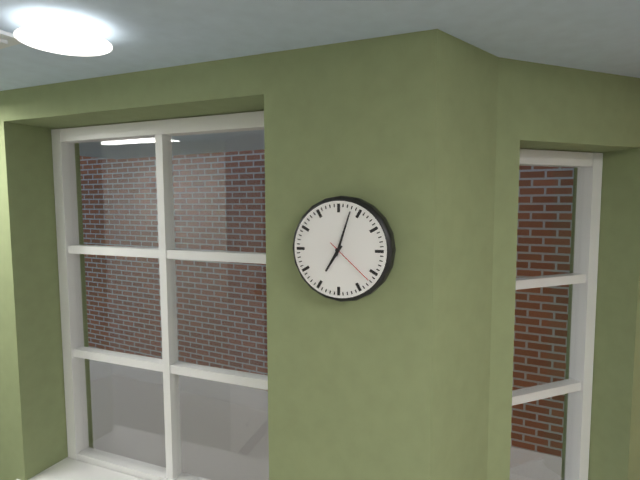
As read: 7.03.22
